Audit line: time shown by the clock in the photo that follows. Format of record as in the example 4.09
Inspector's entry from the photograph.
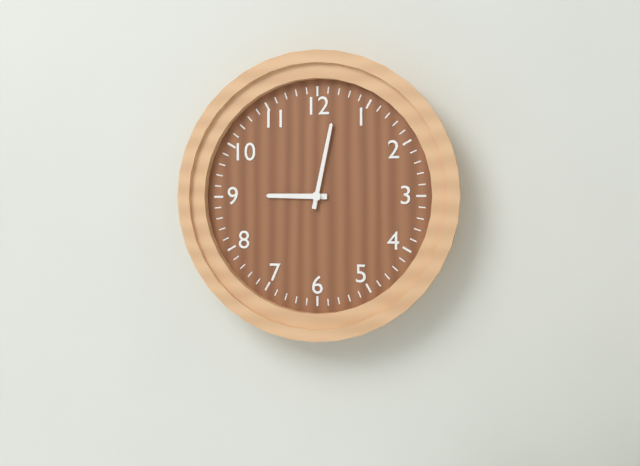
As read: 9.02
